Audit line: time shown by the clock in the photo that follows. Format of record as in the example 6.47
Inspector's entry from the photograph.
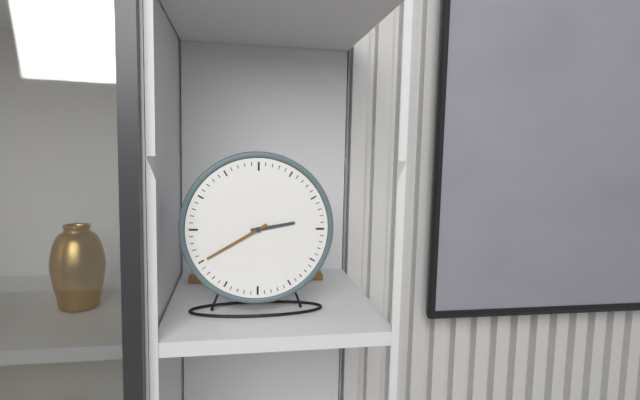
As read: 2.40
